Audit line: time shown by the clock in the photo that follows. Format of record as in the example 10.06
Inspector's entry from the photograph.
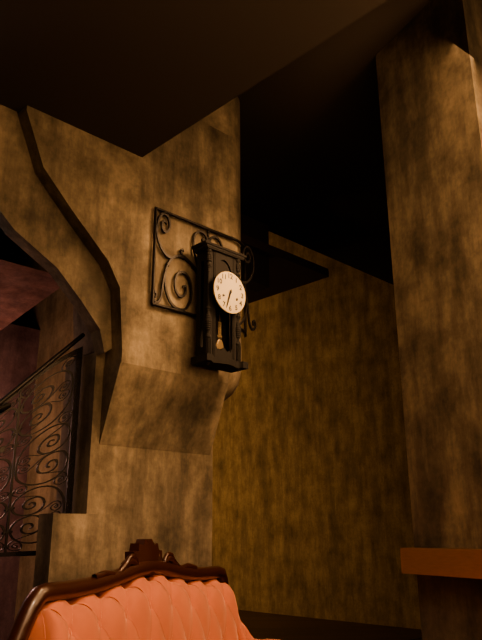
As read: 6.33
